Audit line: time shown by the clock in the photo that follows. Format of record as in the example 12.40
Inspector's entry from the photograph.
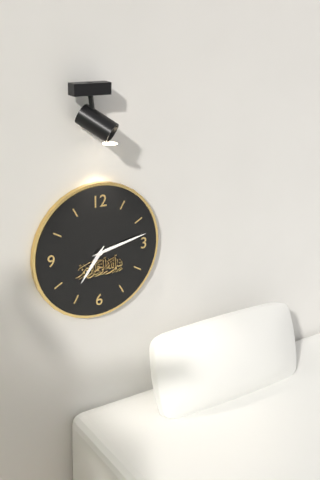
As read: 7.13
